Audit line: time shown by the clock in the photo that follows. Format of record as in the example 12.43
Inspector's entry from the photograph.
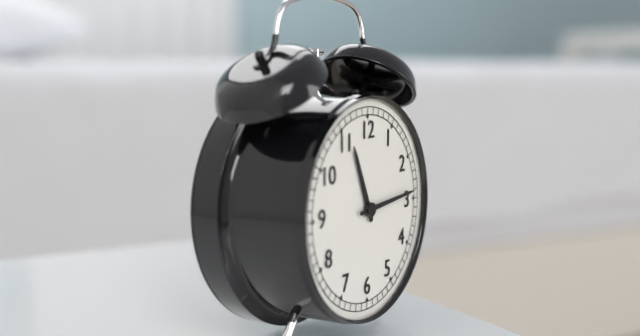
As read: 11.14
